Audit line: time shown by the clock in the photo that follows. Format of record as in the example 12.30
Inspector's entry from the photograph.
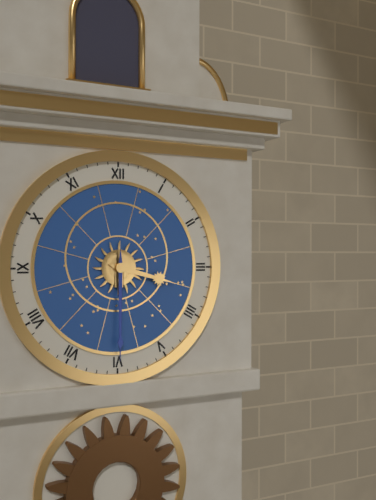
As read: 3.30
